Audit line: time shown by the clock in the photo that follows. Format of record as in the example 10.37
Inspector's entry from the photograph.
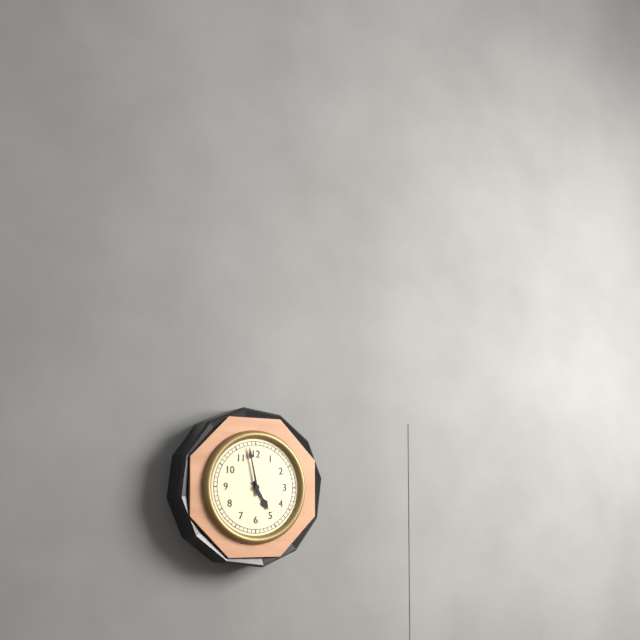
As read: 4.58
